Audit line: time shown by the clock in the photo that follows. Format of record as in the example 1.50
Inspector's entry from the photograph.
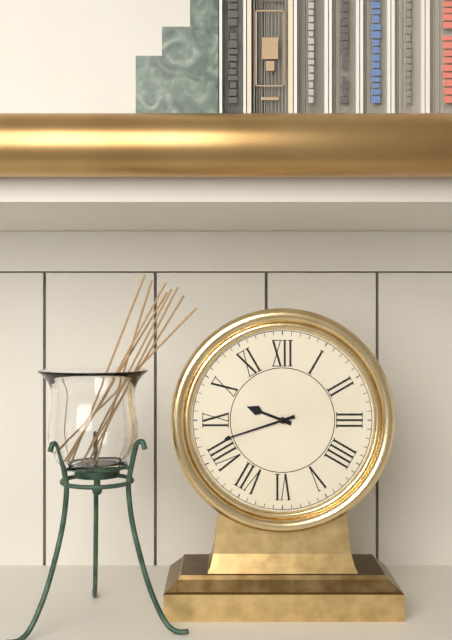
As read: 9.42
